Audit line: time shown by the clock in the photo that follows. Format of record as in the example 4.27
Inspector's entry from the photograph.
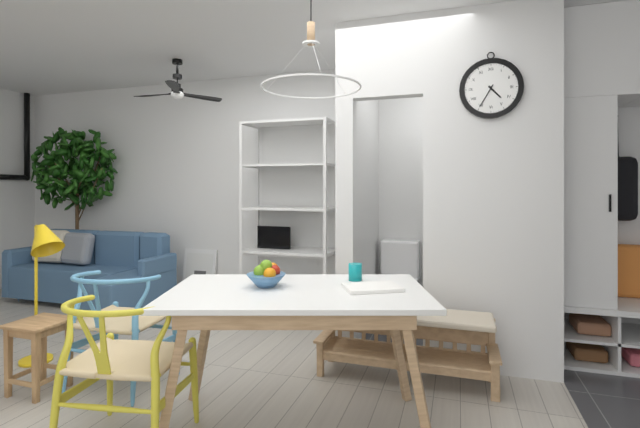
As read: 4.35
